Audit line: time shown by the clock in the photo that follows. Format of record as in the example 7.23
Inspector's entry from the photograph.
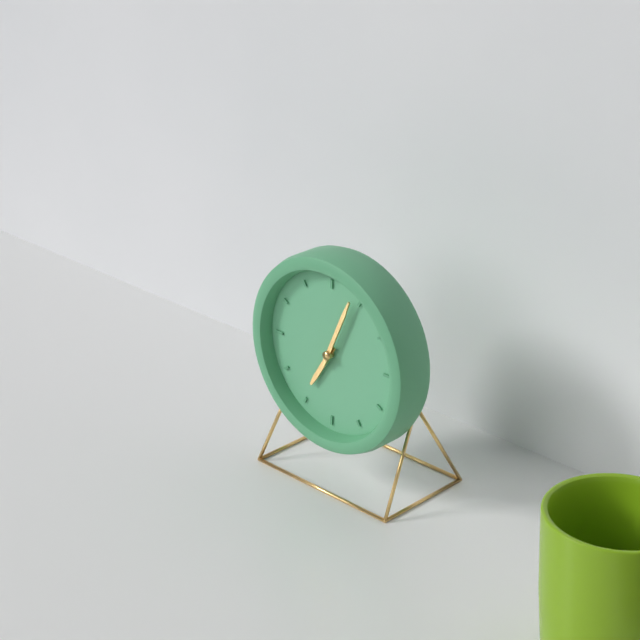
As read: 7.04
